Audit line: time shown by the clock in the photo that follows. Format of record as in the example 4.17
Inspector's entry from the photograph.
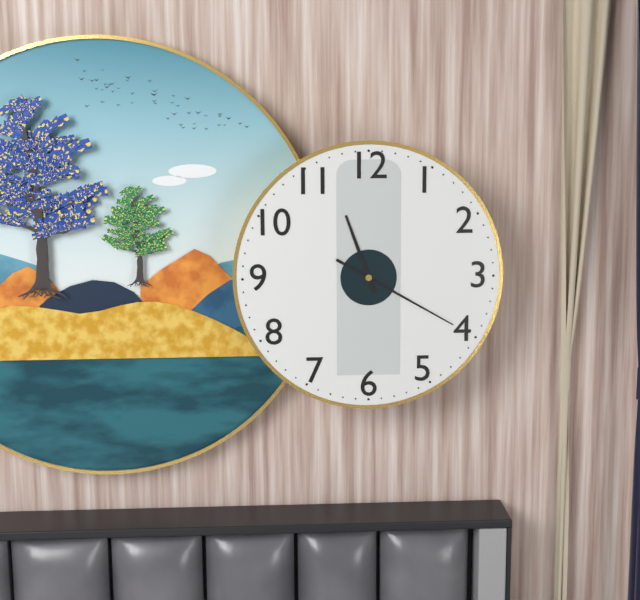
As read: 11.20
